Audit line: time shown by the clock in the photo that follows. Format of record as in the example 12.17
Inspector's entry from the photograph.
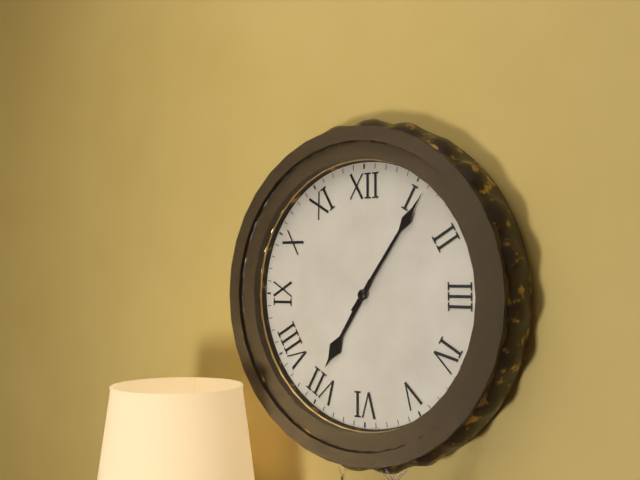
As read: 7.06
